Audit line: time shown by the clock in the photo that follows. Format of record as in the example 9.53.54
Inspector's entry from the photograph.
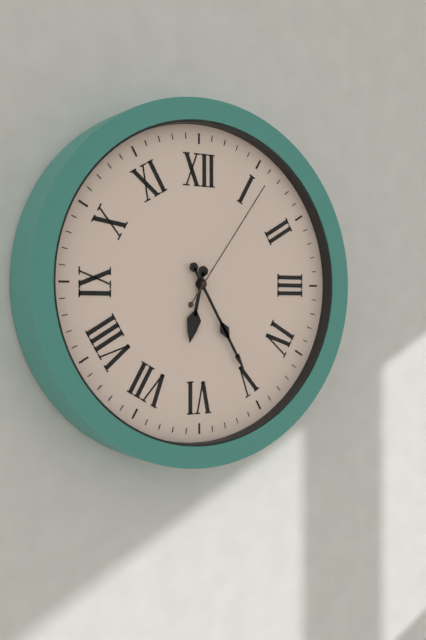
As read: 6.25.06
